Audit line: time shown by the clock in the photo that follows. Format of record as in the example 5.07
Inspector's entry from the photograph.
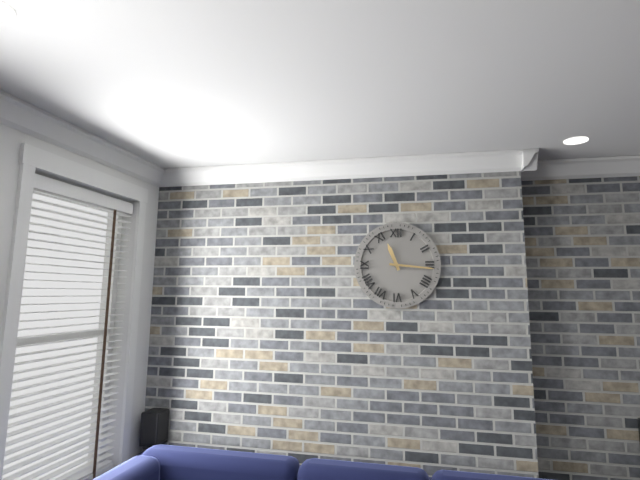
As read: 11.16
